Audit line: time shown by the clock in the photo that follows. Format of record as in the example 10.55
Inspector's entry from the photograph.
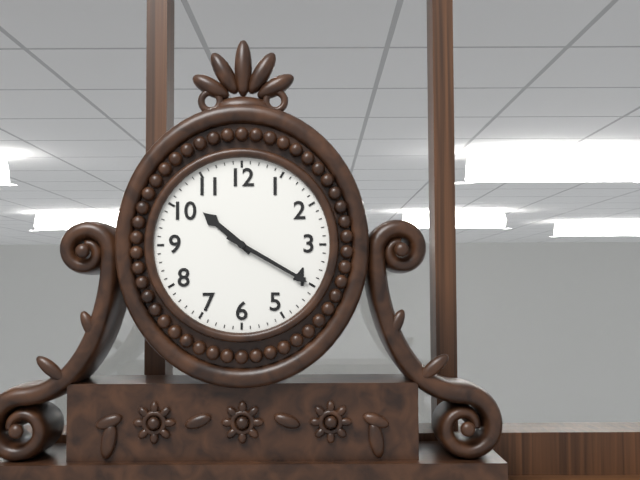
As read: 10.20
